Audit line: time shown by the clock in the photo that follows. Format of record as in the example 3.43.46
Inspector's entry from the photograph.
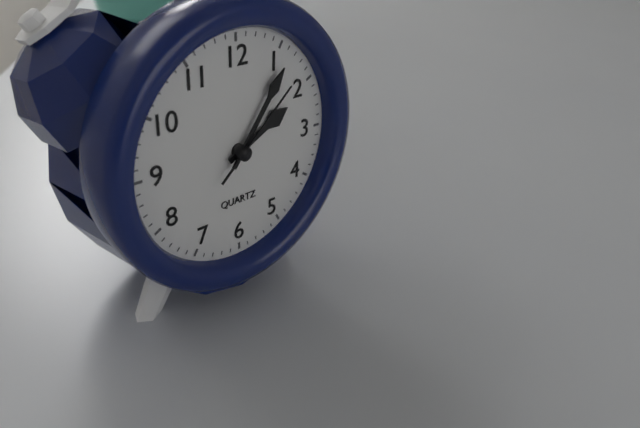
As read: 2.06.08
